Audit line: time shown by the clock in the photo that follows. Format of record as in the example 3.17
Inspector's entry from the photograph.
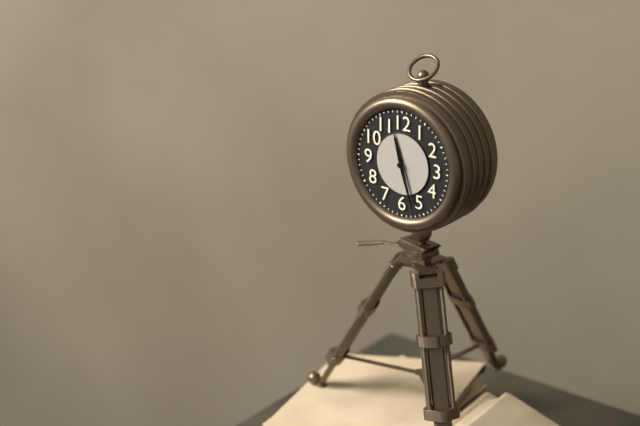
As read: 11.27
